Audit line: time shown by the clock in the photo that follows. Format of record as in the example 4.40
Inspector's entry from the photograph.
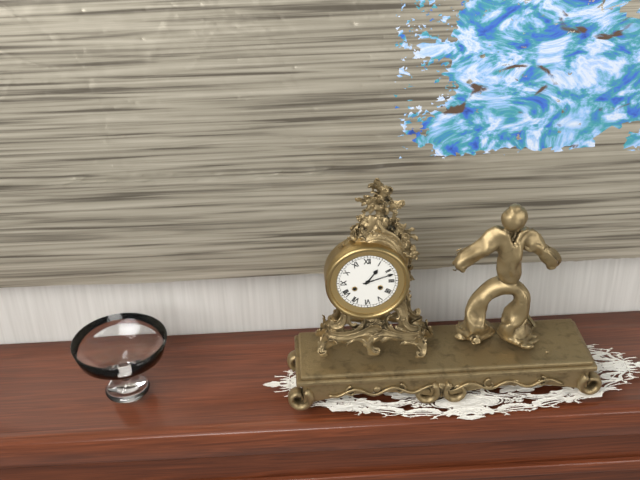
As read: 1.12
